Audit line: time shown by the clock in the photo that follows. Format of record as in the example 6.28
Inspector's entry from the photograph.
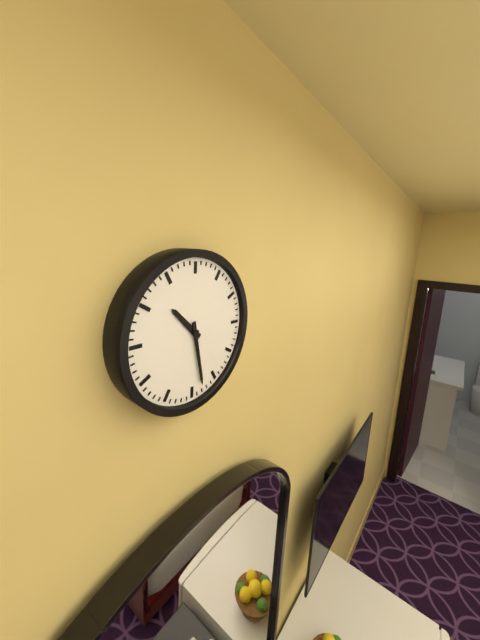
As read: 10.28
